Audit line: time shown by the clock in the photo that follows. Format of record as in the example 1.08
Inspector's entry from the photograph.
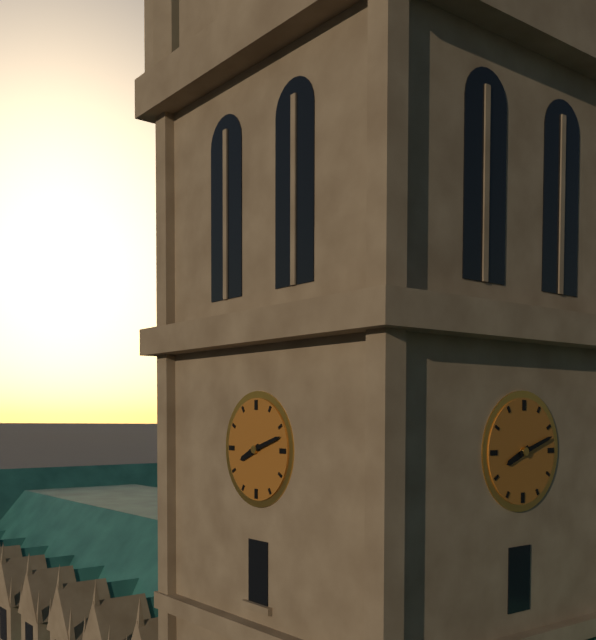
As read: 8.12
